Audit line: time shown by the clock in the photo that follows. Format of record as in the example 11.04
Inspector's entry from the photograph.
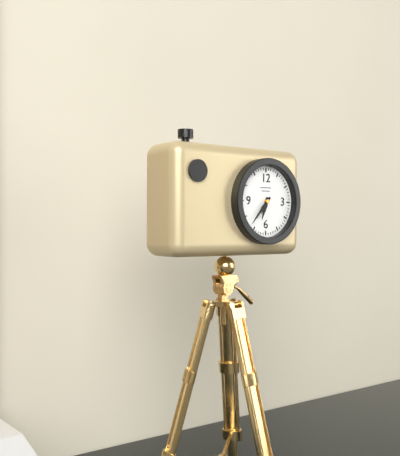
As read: 6.37
